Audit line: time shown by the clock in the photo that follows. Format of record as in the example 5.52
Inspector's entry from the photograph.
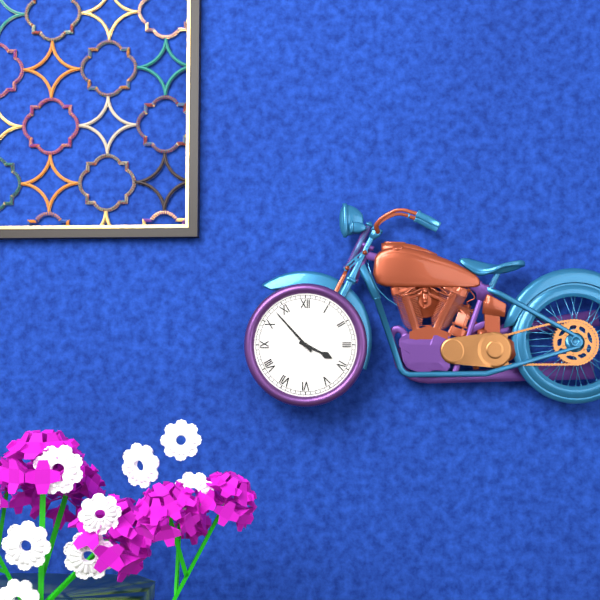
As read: 3.53
